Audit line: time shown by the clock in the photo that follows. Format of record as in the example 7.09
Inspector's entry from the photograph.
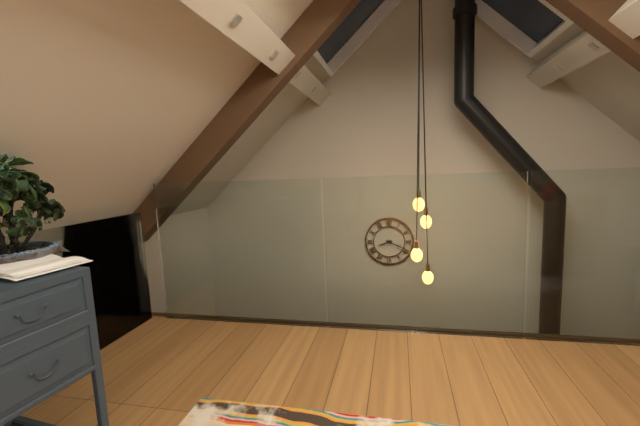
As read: 8.19
